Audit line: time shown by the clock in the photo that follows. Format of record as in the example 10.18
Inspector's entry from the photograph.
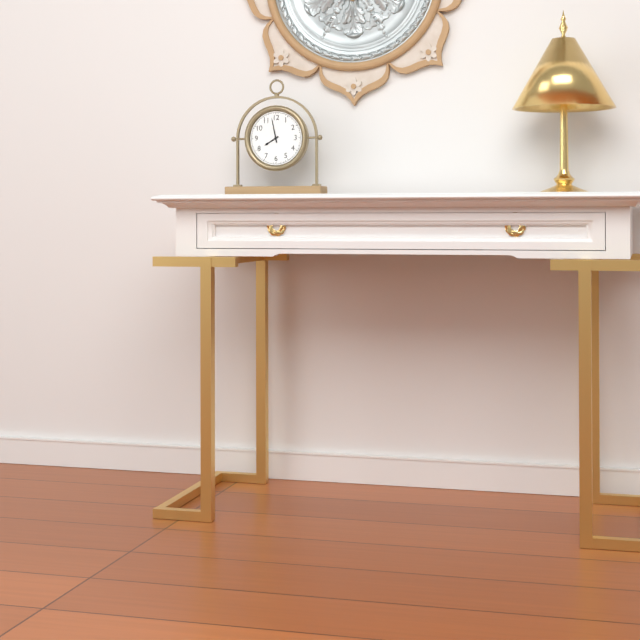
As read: 7.58
